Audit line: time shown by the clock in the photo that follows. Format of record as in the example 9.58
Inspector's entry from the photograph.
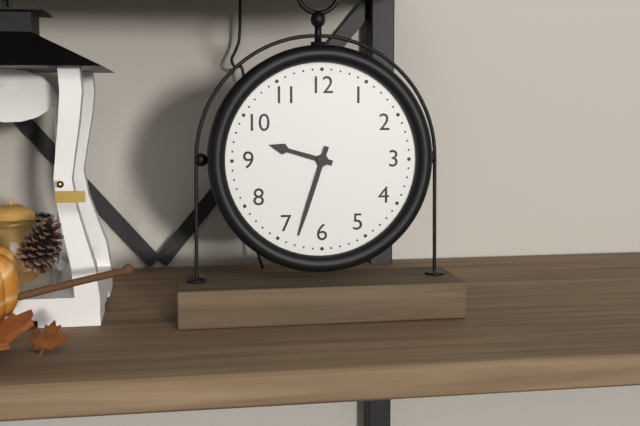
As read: 9.33
